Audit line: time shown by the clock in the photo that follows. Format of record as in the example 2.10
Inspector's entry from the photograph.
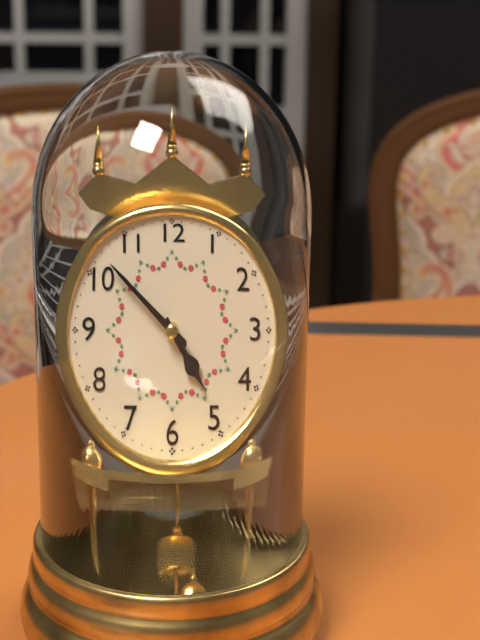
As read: 4.52
